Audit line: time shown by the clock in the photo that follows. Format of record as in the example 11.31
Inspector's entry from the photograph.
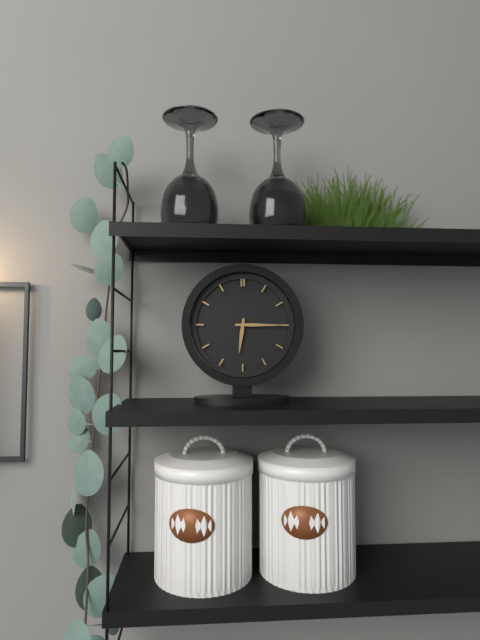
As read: 6.15
